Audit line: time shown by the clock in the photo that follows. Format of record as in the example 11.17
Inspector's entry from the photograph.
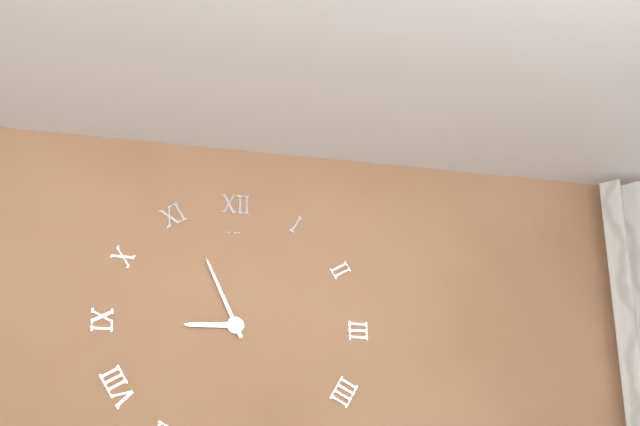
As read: 8.56
